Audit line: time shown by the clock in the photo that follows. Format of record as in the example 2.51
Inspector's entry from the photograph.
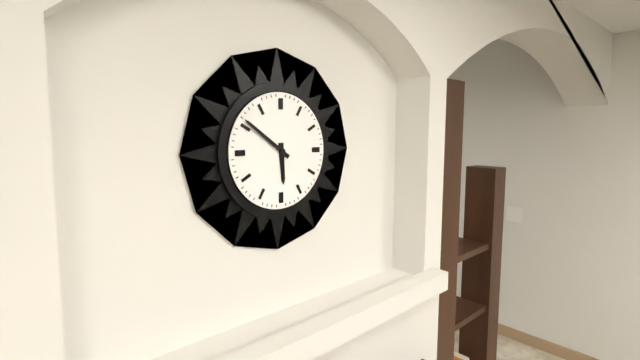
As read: 5.51
